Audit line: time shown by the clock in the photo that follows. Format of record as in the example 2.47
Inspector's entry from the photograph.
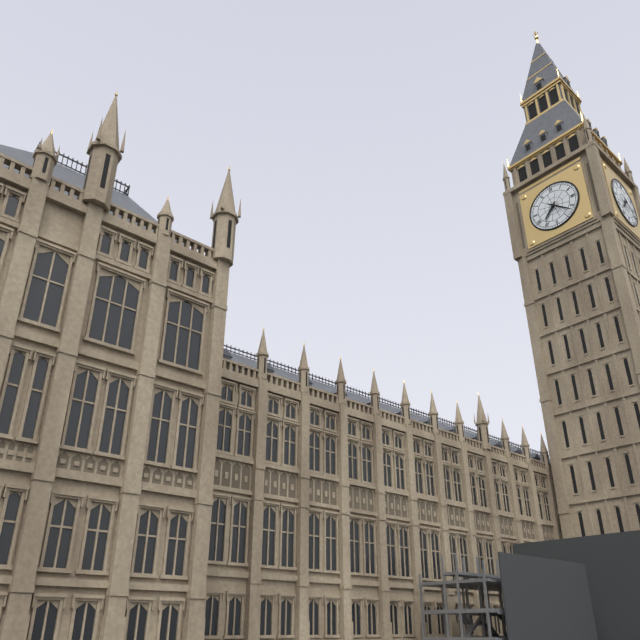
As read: 7.22
